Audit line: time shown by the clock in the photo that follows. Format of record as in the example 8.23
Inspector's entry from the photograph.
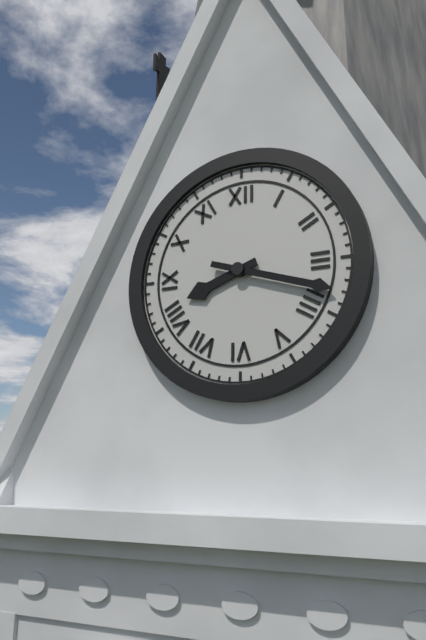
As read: 8.18
